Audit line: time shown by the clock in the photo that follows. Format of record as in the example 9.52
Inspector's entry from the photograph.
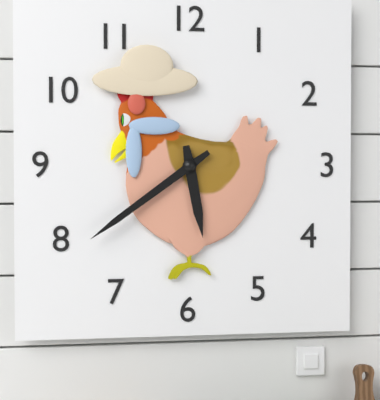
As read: 5.39
